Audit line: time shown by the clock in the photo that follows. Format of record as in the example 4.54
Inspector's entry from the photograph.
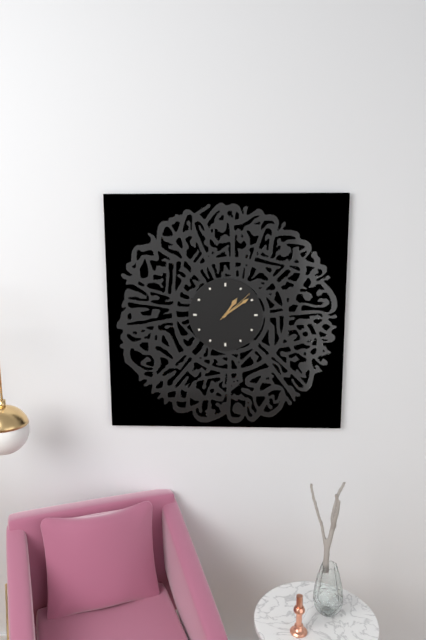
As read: 1.09
